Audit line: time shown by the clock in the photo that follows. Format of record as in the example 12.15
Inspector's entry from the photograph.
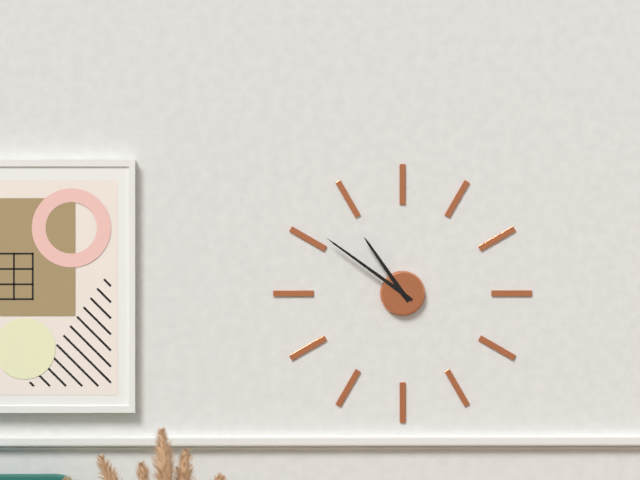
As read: 10.51
